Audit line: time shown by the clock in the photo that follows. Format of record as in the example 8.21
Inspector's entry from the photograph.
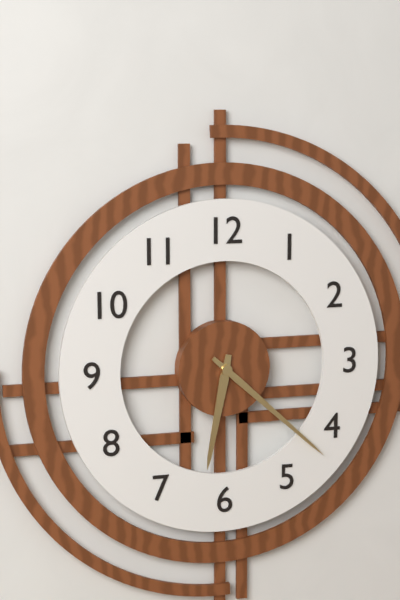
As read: 6.22
